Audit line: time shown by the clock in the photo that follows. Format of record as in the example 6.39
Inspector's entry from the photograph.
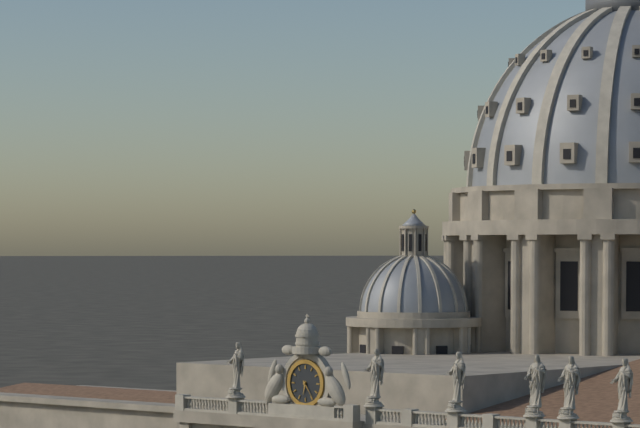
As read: 6.24
